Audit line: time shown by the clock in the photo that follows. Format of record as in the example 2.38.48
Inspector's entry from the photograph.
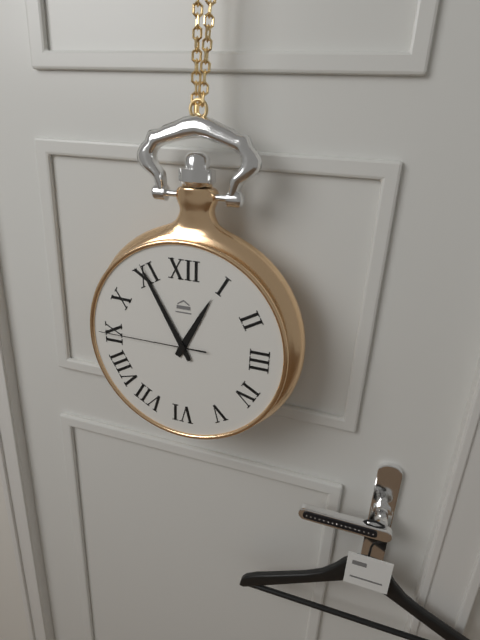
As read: 12.55.45
